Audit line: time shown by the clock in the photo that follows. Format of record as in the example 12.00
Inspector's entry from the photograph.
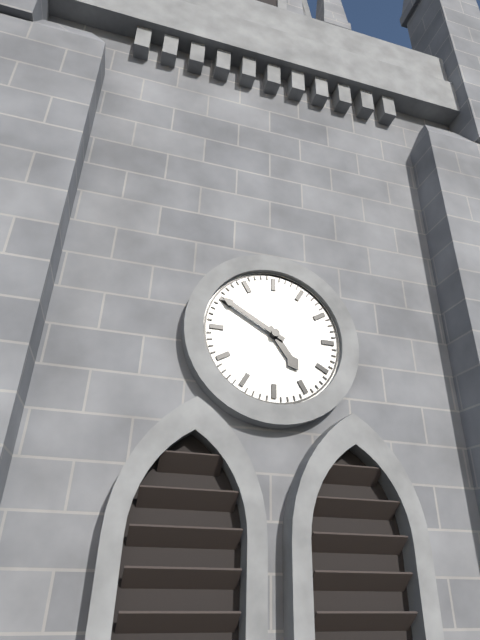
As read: 4.50
